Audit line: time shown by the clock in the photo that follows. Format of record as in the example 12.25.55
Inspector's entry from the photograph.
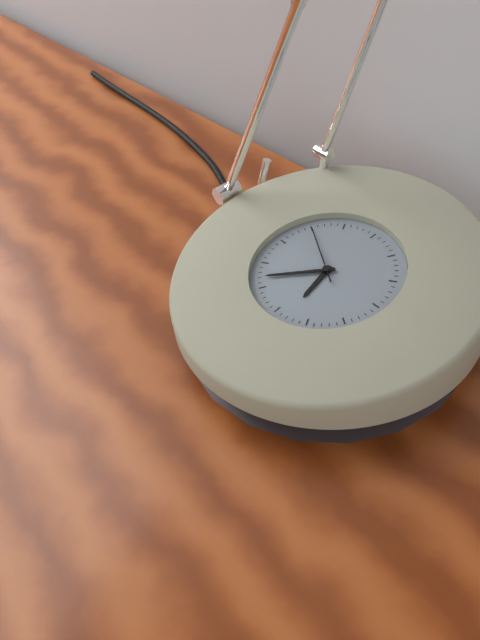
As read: 5.37.50
